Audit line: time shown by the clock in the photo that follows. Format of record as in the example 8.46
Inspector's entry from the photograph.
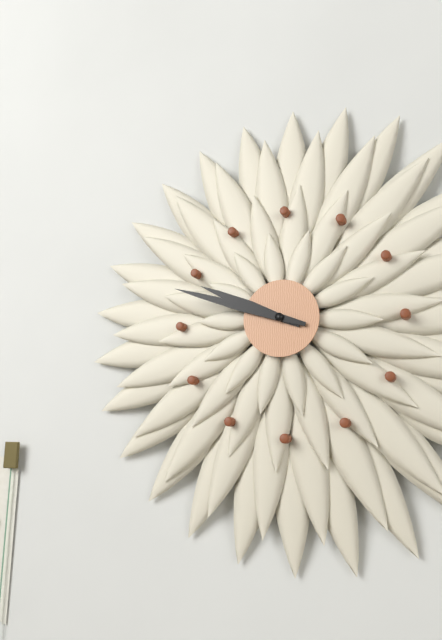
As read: 9.48
